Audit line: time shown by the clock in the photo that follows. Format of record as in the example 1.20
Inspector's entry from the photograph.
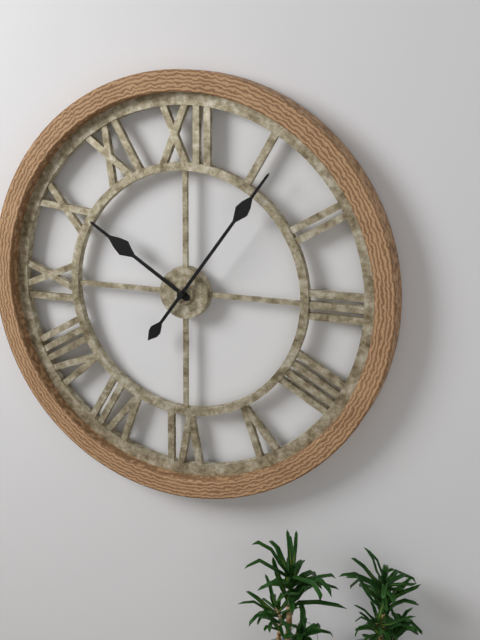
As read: 10.06
